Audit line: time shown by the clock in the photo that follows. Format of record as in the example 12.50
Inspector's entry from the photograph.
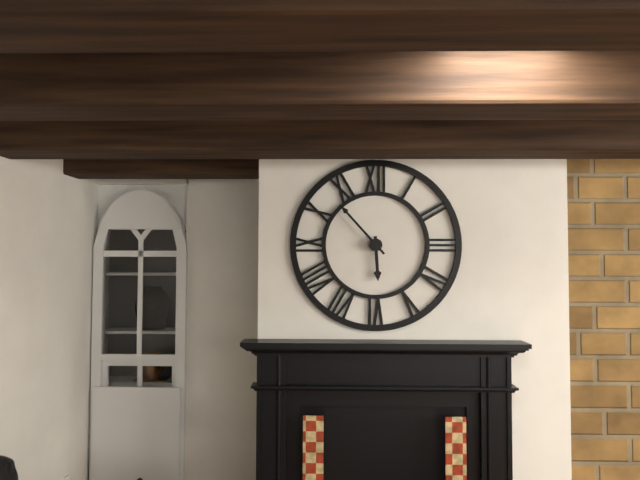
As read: 5.53
